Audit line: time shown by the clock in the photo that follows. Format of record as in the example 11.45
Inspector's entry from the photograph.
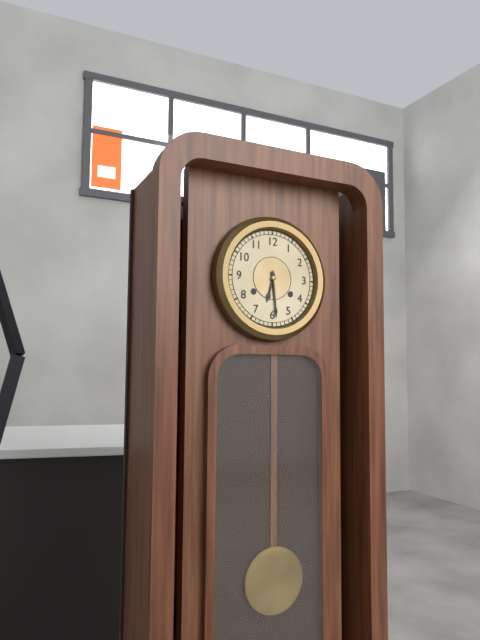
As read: 6.29
